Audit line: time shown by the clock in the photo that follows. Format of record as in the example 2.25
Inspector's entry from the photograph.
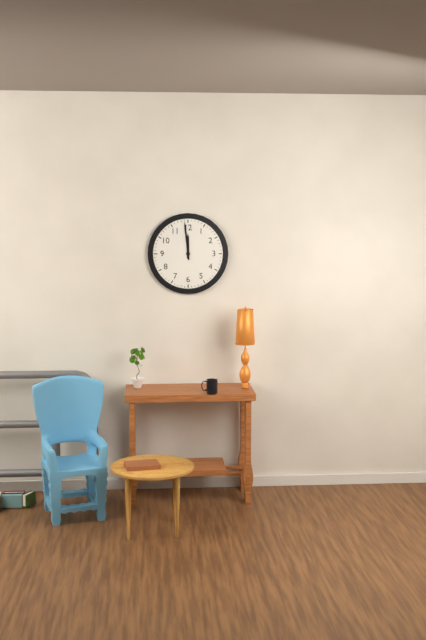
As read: 11.59
